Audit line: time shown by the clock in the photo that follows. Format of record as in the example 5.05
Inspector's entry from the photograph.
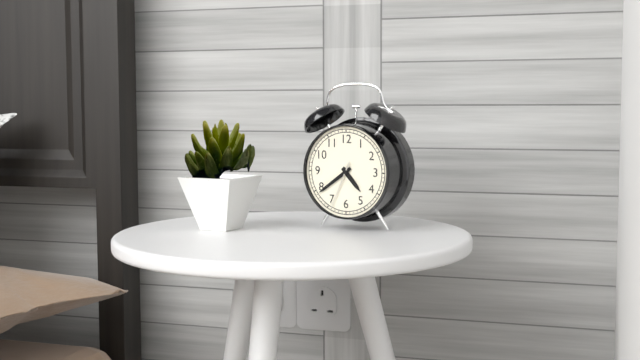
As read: 4.39
